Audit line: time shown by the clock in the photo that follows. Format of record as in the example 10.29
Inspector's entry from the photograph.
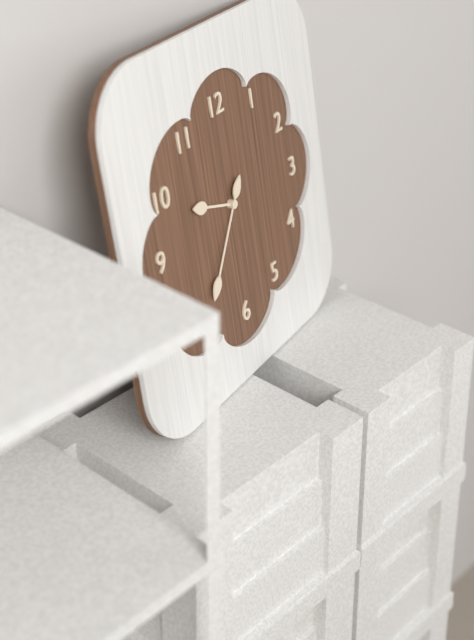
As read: 9.36
